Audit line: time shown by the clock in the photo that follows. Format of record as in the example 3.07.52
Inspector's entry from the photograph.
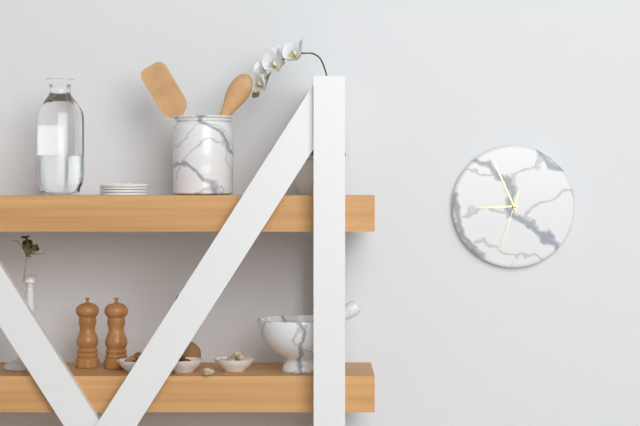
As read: 8.56.33
